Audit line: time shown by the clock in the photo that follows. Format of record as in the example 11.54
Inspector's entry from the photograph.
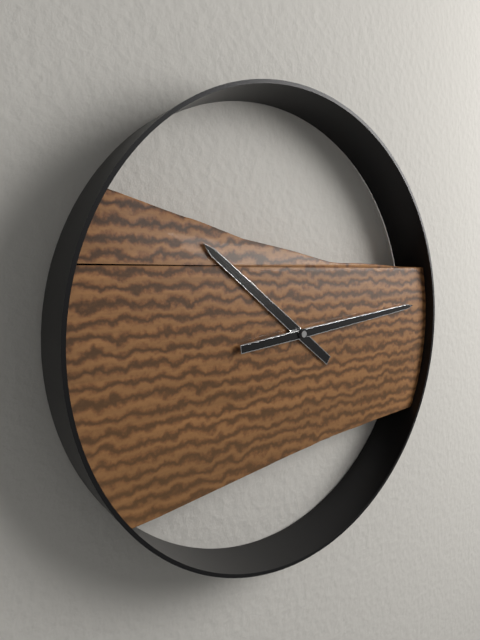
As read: 10.14
